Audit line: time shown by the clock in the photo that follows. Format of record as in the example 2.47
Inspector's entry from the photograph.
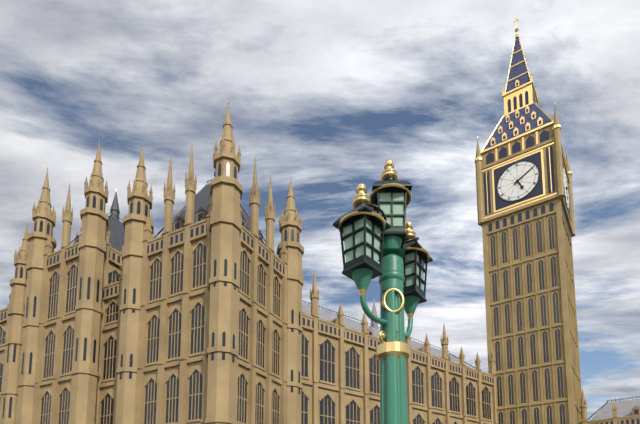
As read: 5.10
